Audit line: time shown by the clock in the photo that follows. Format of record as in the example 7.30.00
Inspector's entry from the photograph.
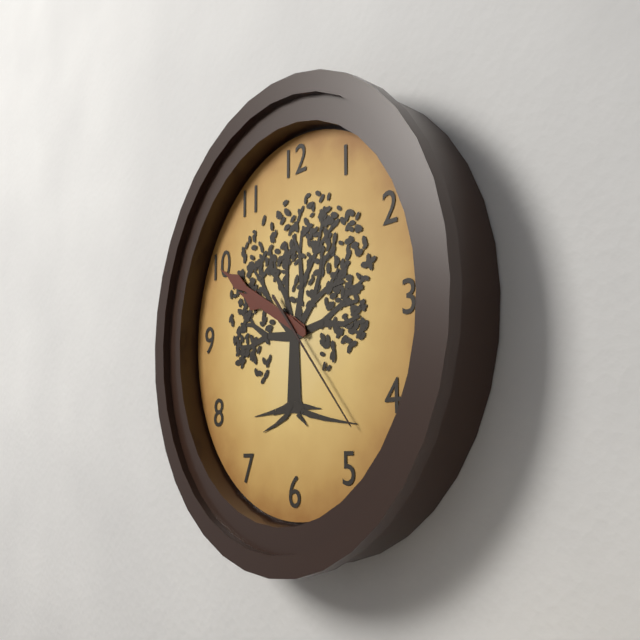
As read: 9.50.23
